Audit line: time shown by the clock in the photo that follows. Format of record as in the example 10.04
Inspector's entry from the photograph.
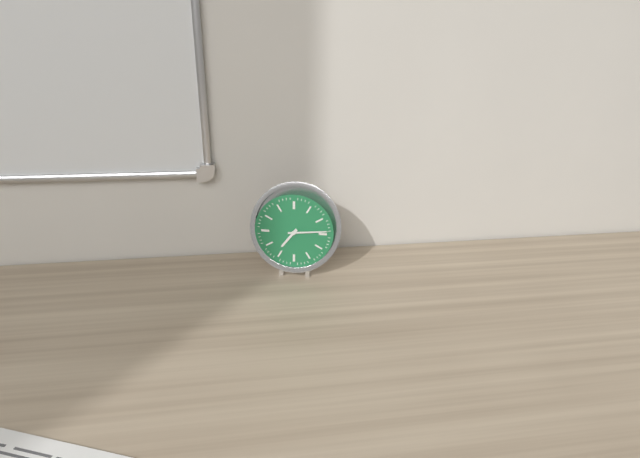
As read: 7.14
